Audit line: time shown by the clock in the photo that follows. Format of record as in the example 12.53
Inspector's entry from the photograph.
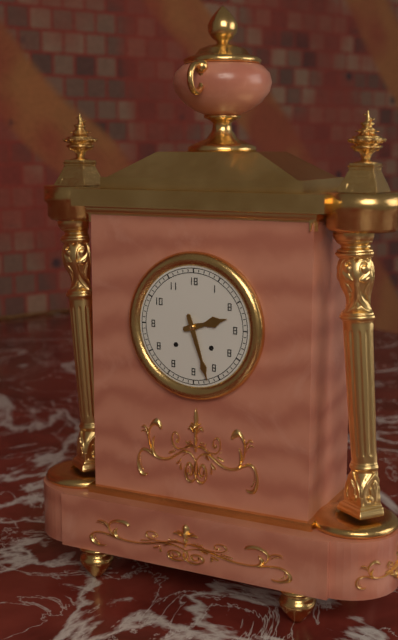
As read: 2.27
